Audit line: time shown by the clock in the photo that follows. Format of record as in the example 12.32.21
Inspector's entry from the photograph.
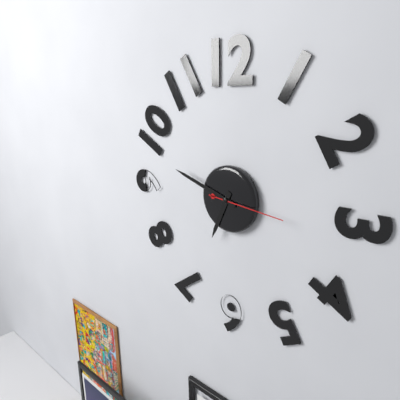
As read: 6.48.16
